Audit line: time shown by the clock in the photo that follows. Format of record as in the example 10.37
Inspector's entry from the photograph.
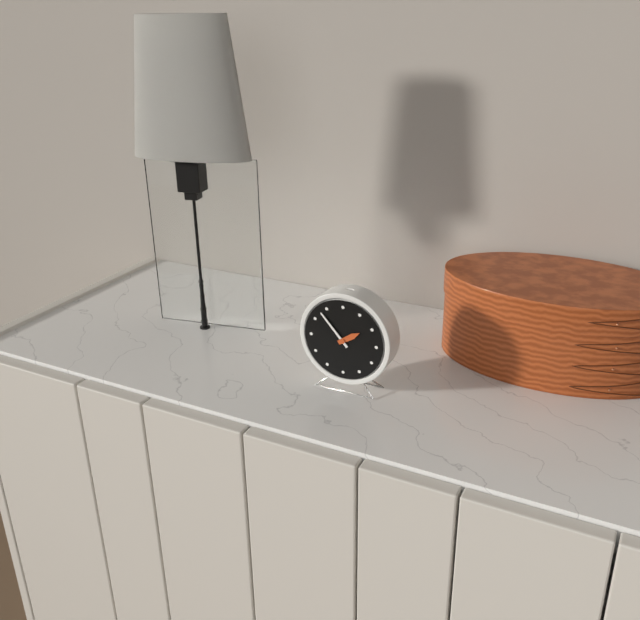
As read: 1.53
